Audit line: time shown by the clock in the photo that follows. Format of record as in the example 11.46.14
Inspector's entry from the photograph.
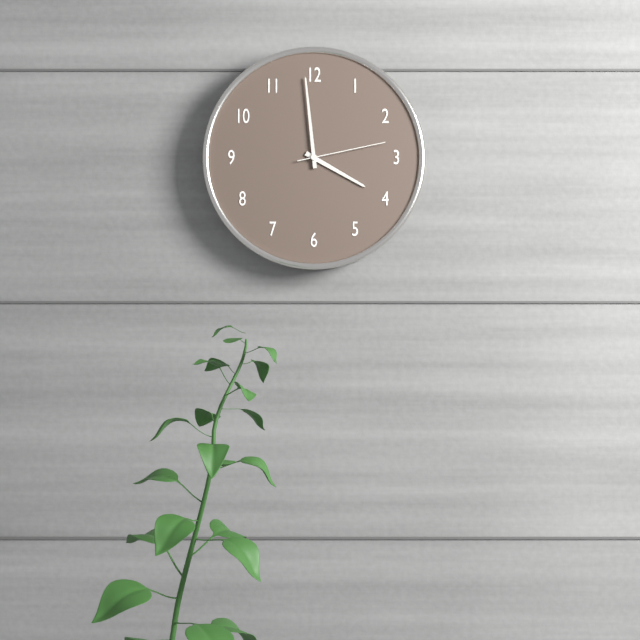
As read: 3.59.13
